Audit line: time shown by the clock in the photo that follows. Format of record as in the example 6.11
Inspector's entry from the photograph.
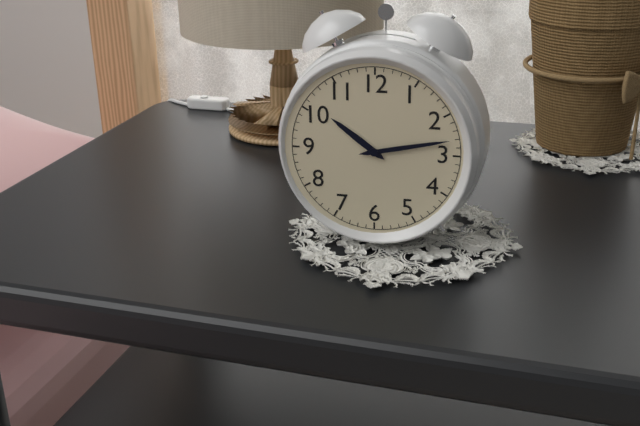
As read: 10.13
